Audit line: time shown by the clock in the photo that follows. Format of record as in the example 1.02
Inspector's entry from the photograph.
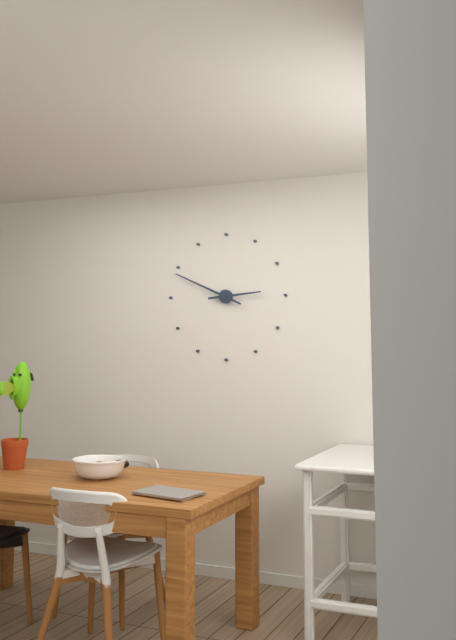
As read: 2.49
